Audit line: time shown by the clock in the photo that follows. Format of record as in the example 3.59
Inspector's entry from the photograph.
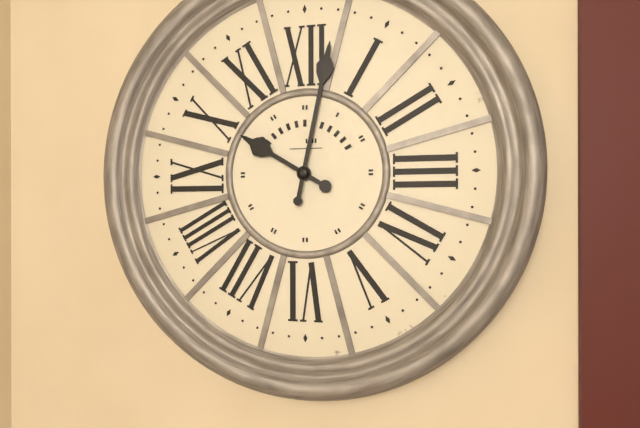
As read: 10.02
